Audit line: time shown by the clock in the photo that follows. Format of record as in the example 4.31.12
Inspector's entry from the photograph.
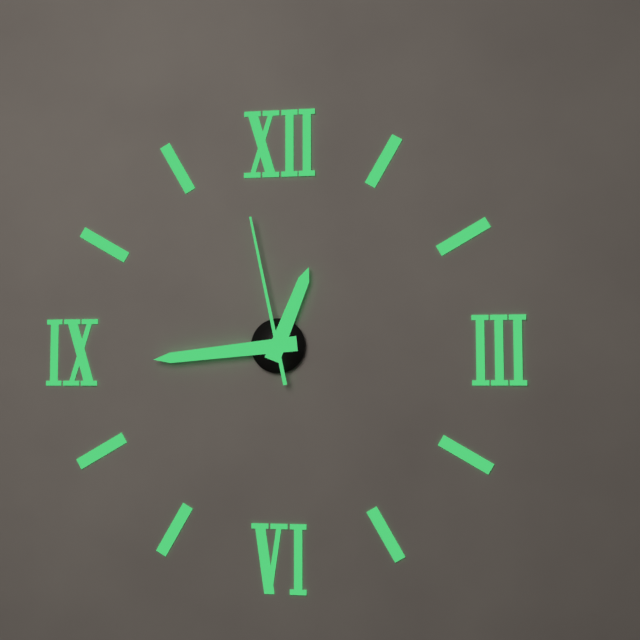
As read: 12.44.58
